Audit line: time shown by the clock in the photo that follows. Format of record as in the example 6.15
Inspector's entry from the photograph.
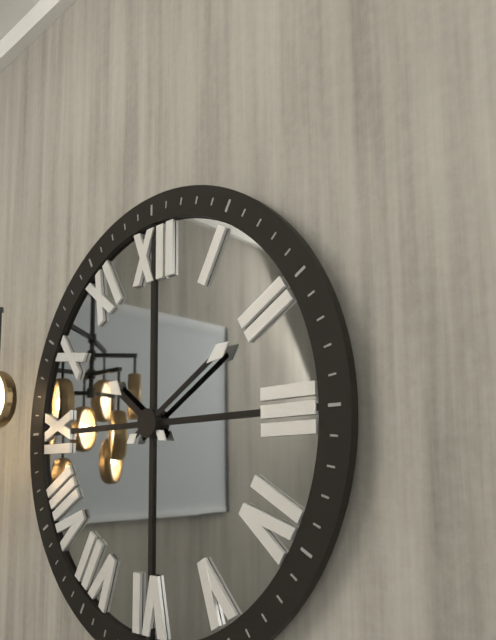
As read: 10.10
